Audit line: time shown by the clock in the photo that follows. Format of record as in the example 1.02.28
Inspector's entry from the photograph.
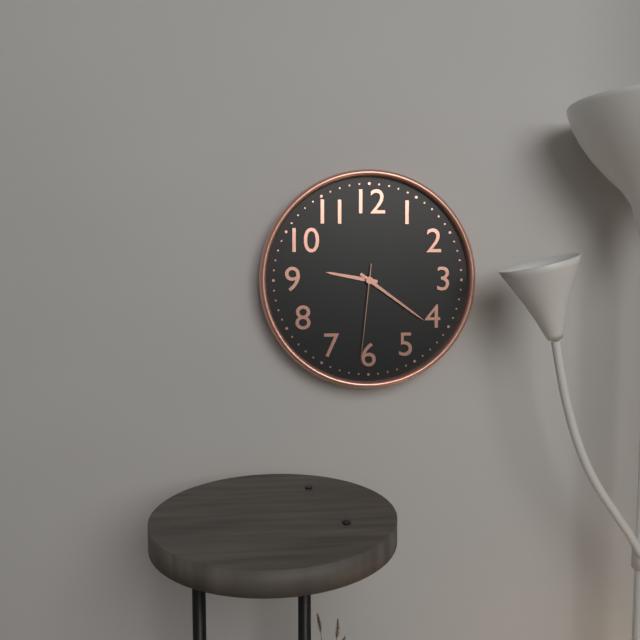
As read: 9.21.31
